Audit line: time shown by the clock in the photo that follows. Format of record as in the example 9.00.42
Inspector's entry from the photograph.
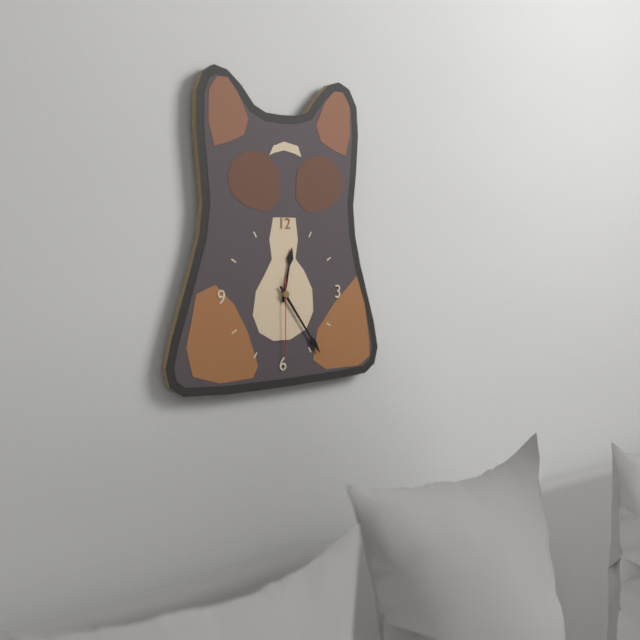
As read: 12.24.30
